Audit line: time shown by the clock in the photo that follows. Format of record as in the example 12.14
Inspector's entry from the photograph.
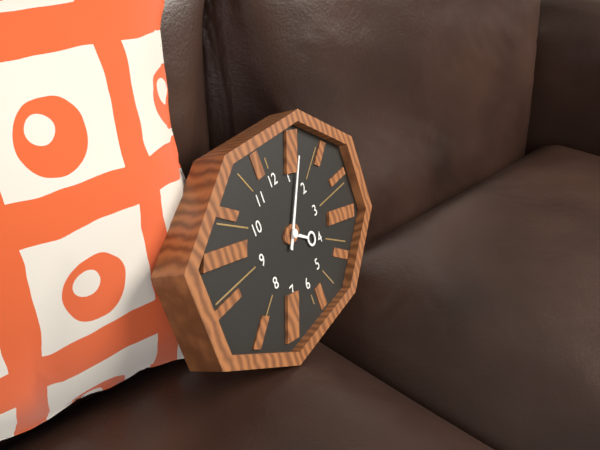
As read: 4.07
